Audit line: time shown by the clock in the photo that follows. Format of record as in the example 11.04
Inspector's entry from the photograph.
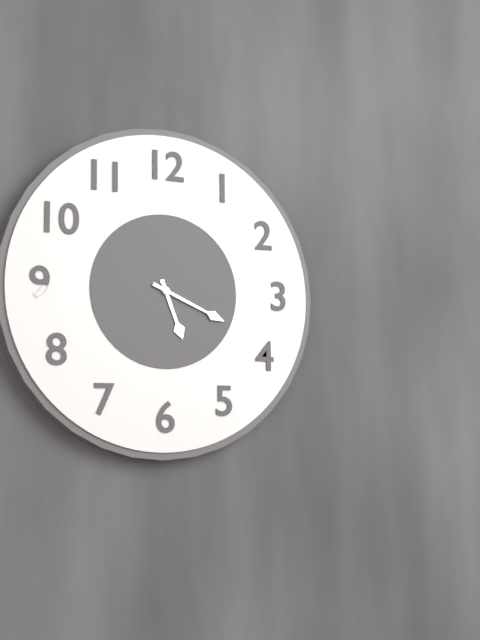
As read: 5.19
